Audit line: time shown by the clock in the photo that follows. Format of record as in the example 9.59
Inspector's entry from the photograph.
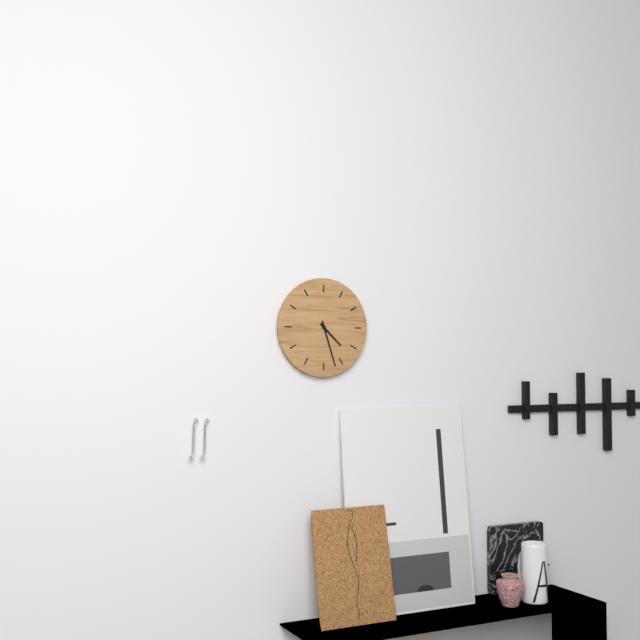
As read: 4.27
